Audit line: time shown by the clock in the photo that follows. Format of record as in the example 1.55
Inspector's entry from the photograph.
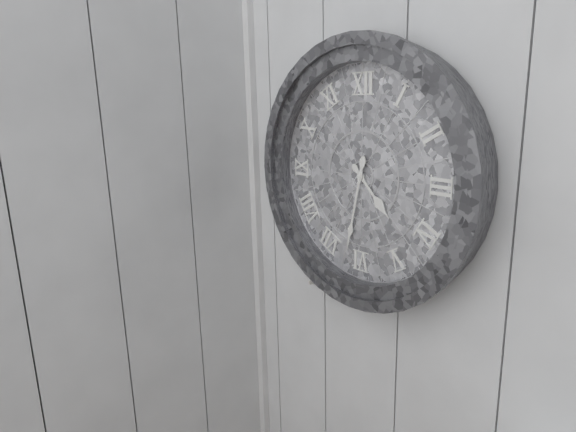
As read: 4.32
